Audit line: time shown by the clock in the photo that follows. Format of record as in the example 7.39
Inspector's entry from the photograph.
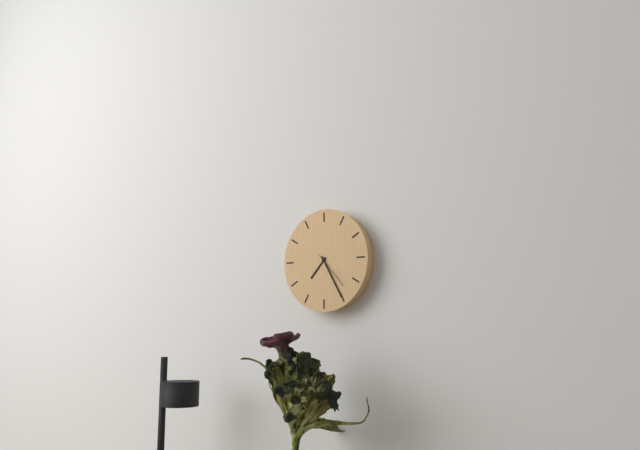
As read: 7.25
